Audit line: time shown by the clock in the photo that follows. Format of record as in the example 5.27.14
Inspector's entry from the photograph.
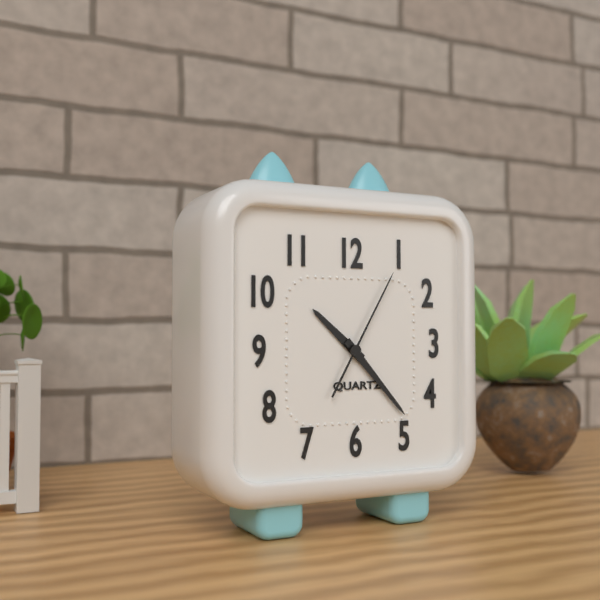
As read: 10.23.05
